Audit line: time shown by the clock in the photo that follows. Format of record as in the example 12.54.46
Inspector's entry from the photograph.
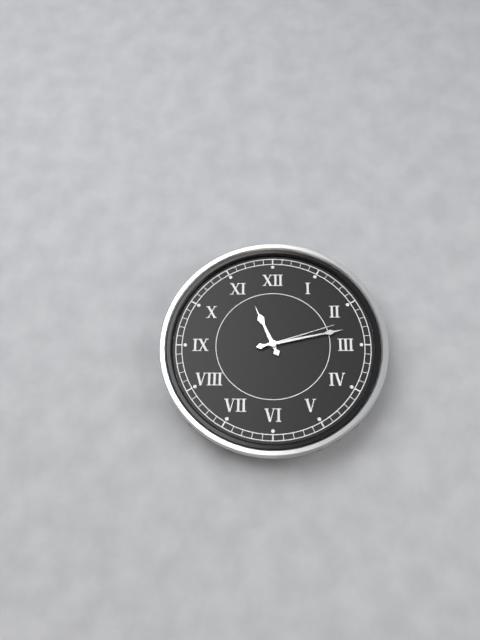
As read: 11.13.12
